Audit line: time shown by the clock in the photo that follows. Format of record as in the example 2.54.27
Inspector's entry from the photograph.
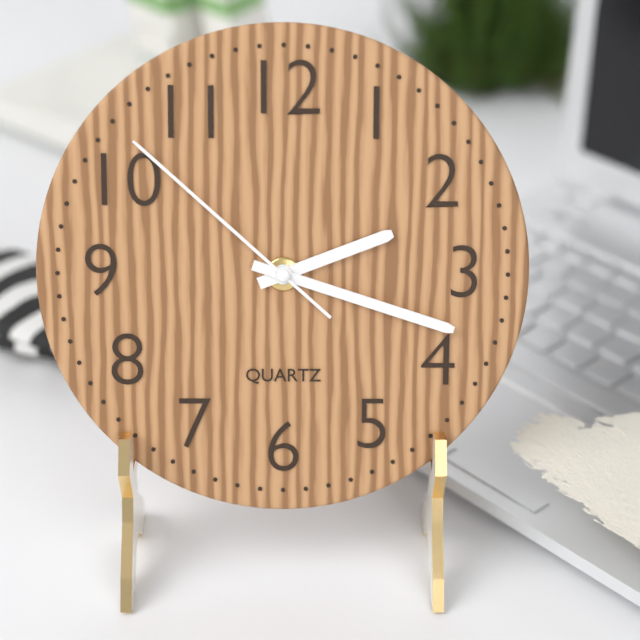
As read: 2.18.52
